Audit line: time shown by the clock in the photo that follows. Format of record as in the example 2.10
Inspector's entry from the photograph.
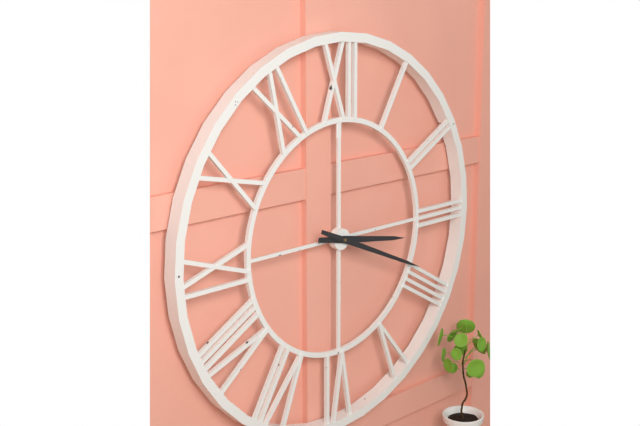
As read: 3.19
